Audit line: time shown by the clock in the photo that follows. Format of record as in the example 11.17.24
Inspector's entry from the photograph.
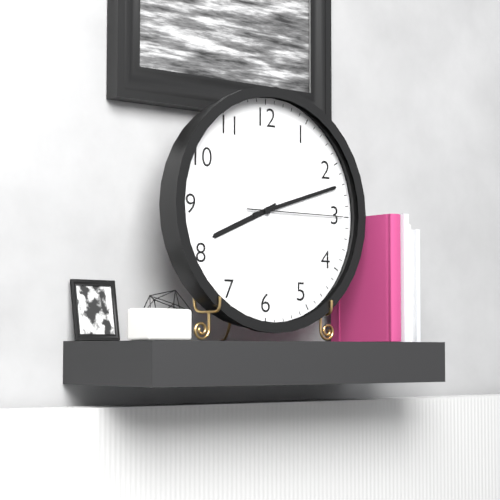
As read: 8.12.15
